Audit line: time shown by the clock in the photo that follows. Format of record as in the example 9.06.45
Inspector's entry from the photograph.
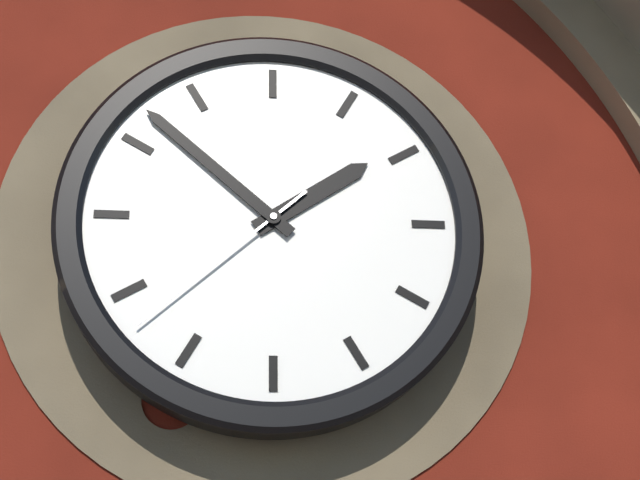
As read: 1.52.38
